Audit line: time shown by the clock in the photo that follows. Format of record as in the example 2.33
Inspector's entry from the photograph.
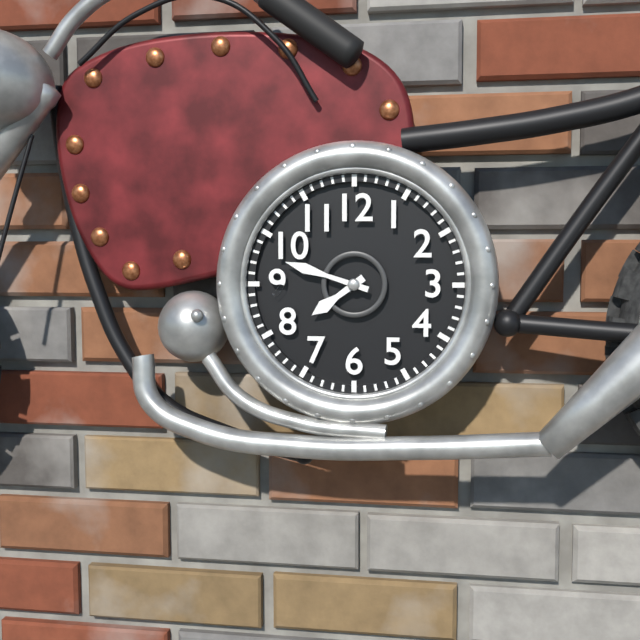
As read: 7.48
